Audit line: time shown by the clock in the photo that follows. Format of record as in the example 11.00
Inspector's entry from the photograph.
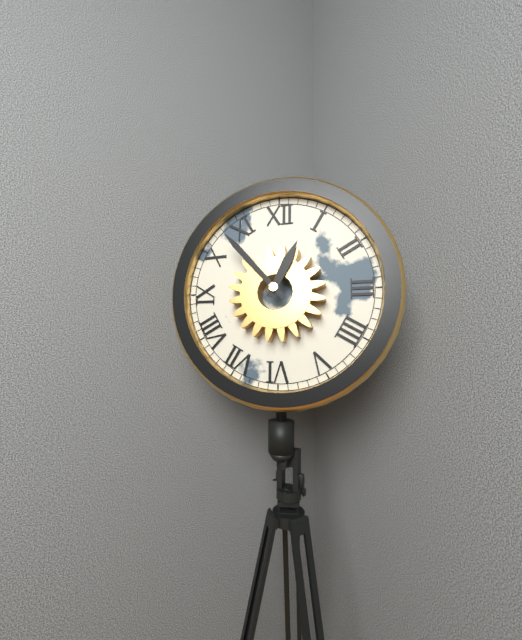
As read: 12.53
